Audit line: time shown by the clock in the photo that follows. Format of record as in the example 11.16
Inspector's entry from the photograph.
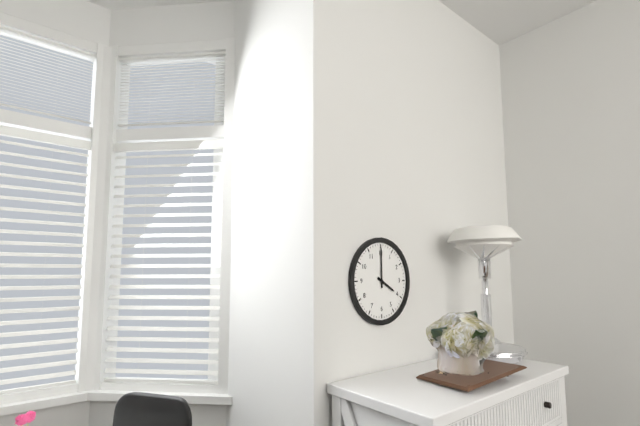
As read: 4.00
